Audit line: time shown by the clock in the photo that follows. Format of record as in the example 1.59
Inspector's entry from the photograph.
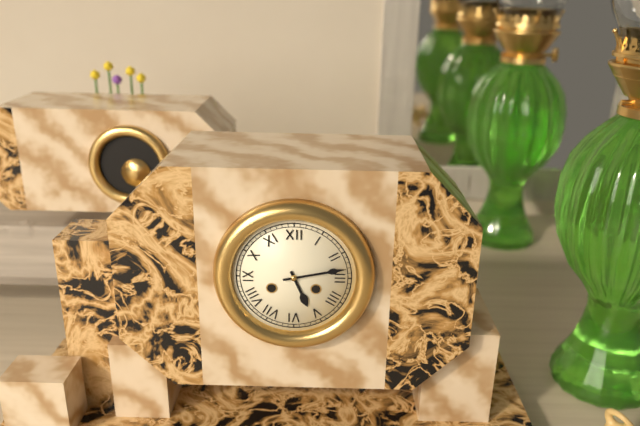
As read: 5.13
